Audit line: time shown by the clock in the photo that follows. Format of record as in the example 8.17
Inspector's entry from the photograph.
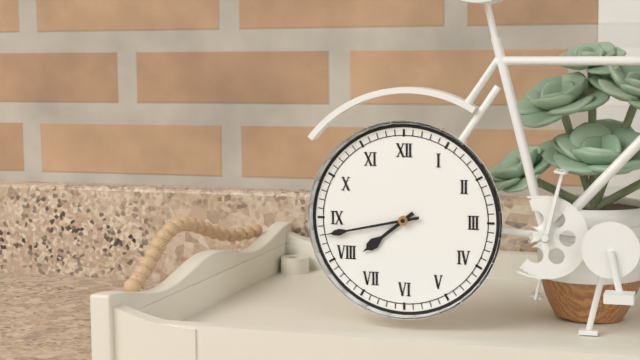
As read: 7.43
